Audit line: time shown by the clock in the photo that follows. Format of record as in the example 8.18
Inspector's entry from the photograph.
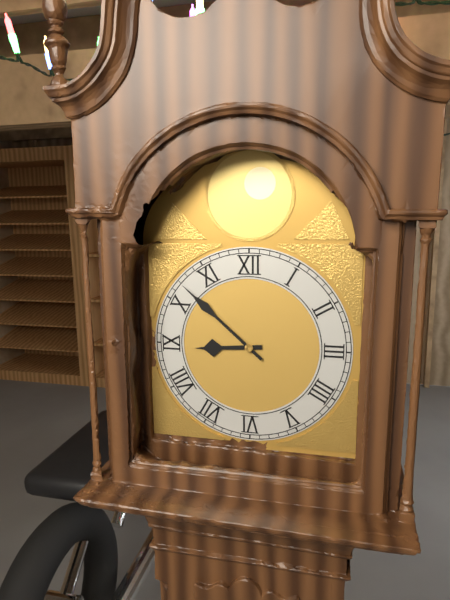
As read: 8.52
